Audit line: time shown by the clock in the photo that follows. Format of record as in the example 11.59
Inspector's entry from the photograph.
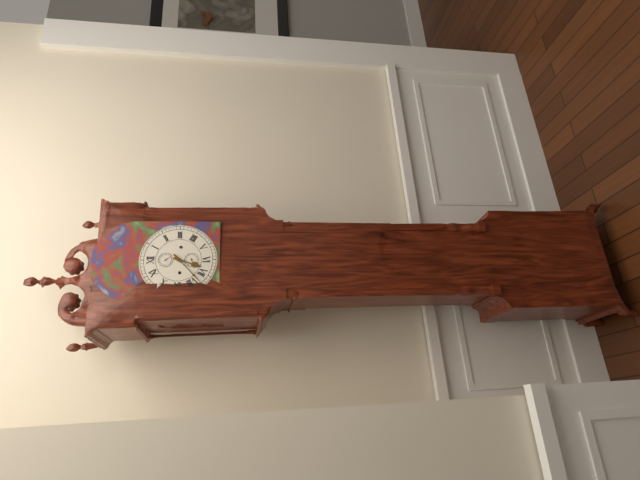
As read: 6.38
